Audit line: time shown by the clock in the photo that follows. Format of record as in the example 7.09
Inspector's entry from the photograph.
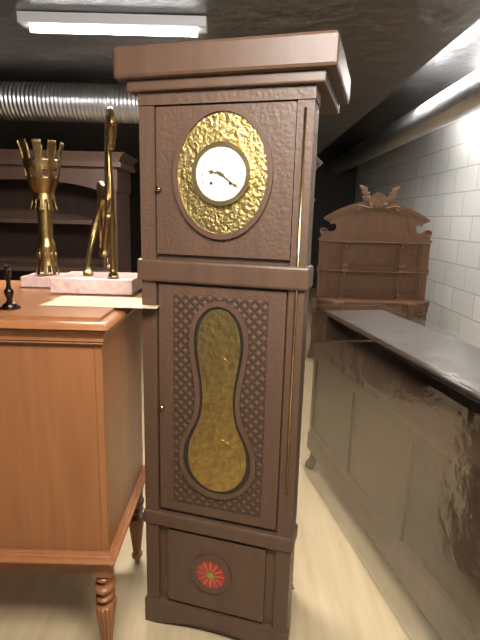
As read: 9.21
